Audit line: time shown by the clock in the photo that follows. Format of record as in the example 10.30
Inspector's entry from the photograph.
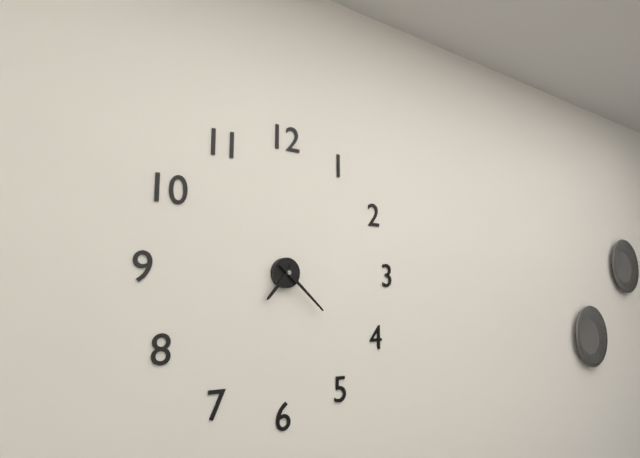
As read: 7.22
